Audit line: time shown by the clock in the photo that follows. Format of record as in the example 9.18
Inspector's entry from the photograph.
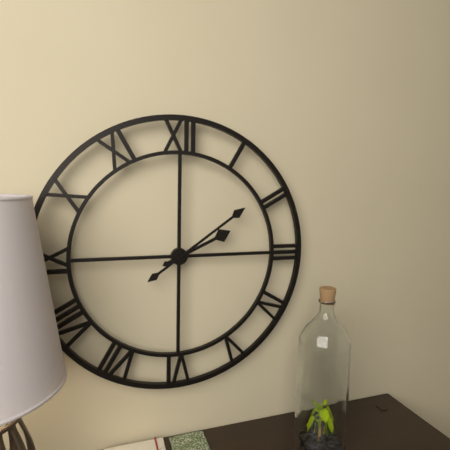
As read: 2.09
